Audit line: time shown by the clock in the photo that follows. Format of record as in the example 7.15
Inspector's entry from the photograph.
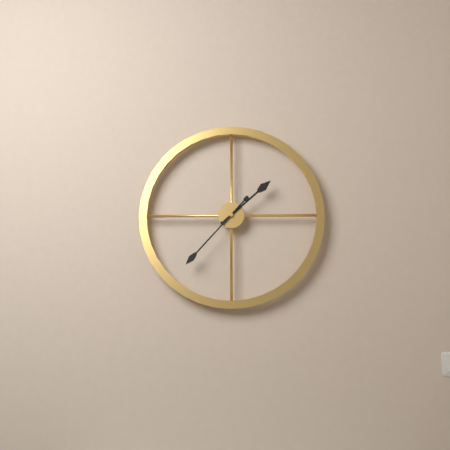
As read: 1.37
